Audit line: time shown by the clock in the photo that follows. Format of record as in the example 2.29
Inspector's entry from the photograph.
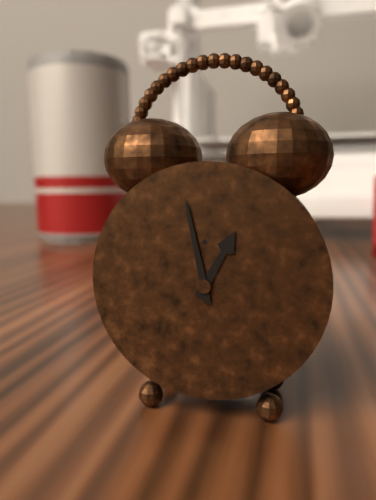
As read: 12.58
